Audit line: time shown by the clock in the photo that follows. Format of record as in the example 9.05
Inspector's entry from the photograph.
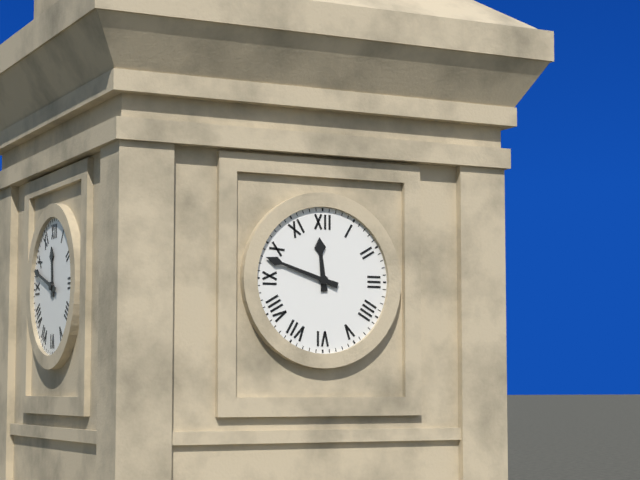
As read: 11.48
